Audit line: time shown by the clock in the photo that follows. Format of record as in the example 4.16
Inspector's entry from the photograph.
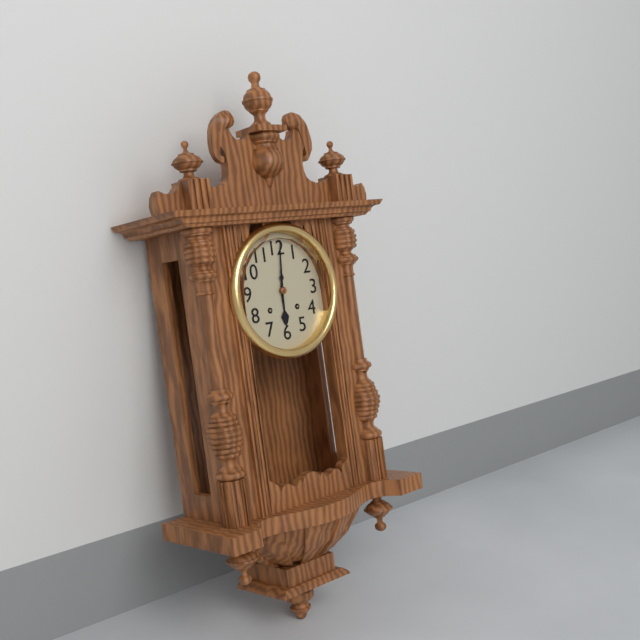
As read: 6.01
